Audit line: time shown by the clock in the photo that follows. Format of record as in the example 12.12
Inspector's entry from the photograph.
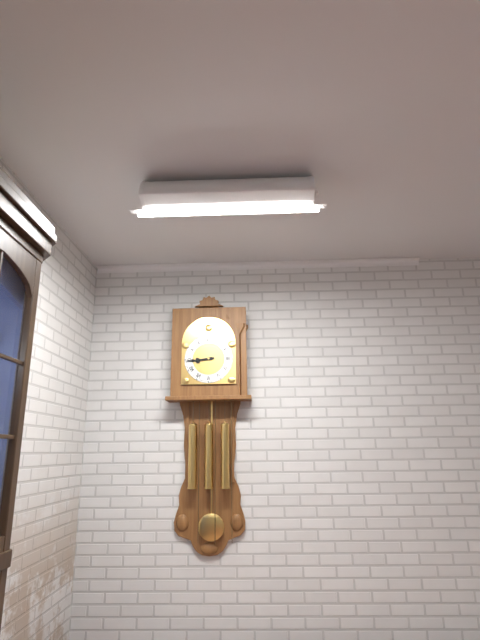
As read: 8.44
